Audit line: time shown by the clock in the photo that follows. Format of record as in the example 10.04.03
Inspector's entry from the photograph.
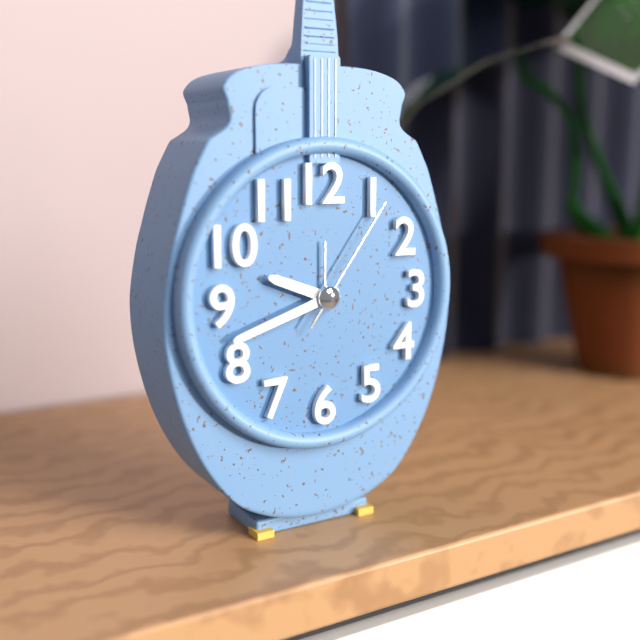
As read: 9.42.06
